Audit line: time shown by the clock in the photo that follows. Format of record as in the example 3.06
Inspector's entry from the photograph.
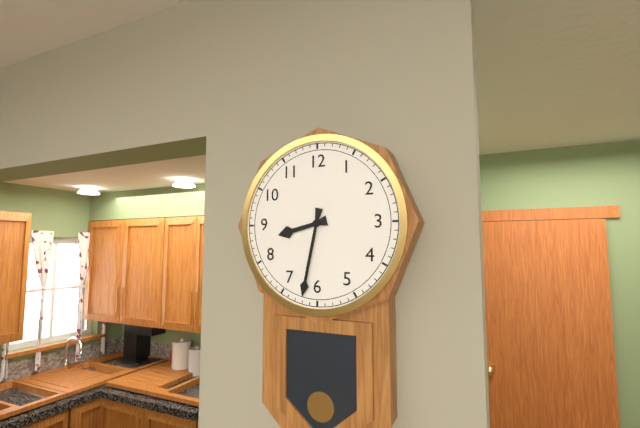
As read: 8.32
